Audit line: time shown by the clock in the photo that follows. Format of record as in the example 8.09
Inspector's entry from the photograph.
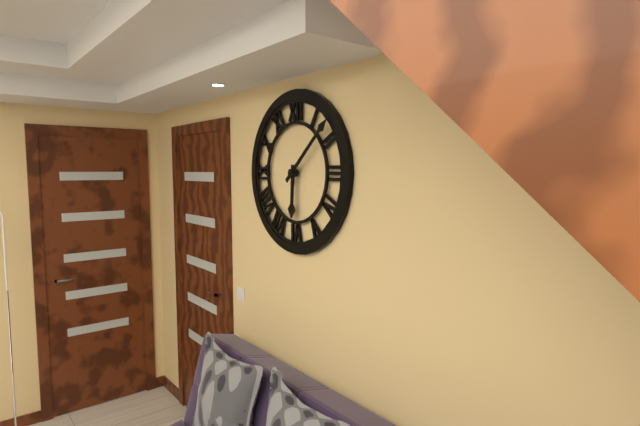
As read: 6.08
